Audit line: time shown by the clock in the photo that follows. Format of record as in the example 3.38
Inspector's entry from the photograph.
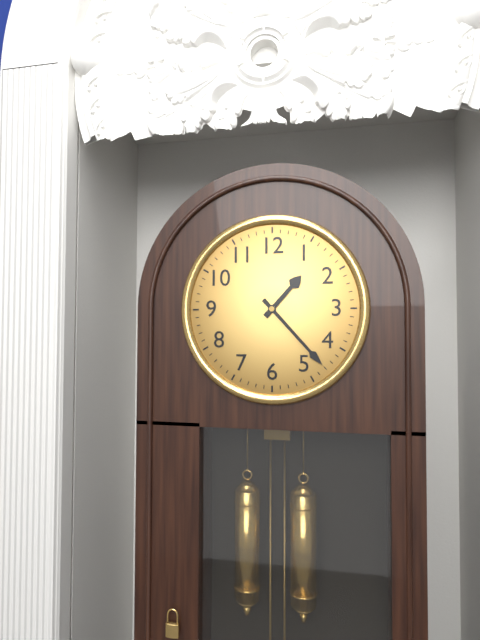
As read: 1.23
